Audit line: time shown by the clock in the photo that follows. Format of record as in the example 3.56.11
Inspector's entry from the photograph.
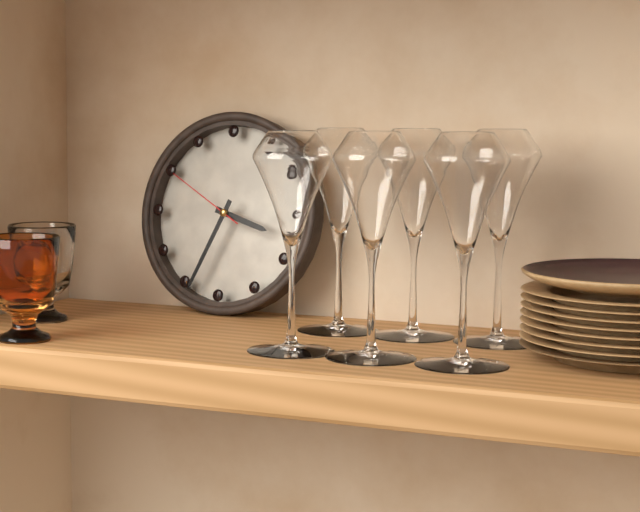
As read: 3.34.50
